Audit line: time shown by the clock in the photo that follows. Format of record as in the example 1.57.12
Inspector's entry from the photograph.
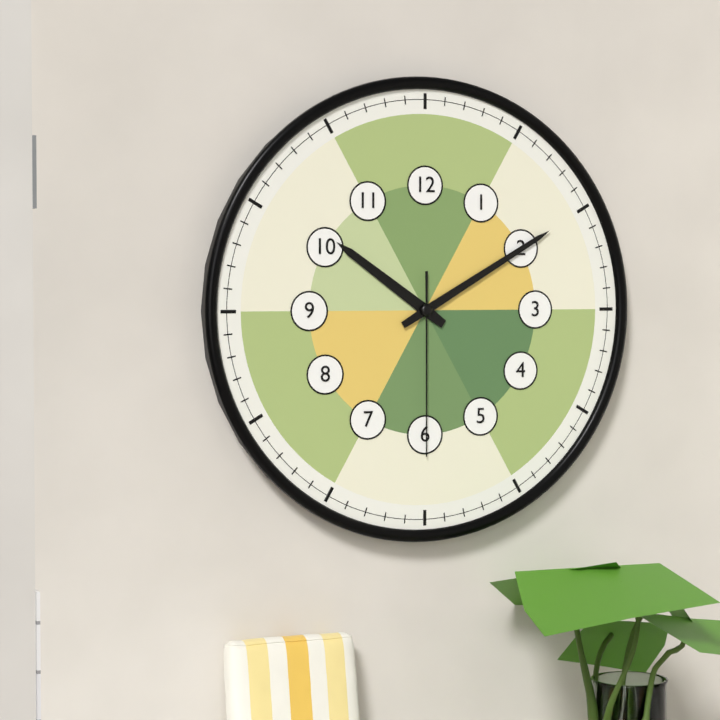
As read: 10.10.30
